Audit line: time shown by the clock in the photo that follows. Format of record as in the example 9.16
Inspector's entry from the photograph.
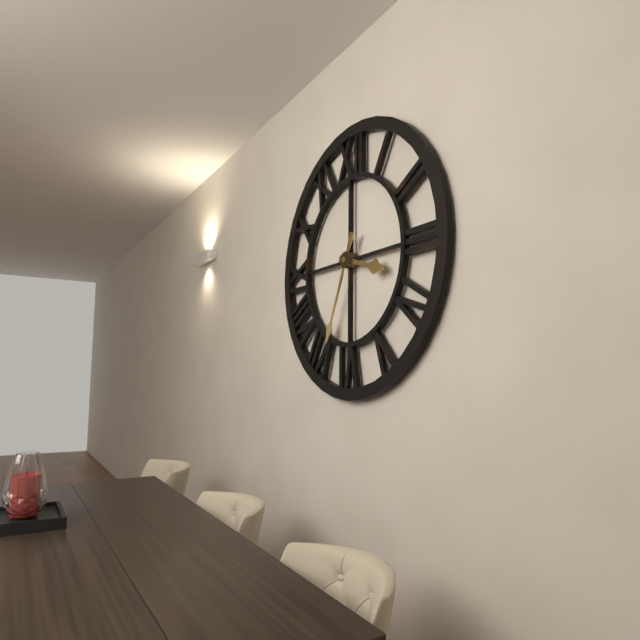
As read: 3.34
